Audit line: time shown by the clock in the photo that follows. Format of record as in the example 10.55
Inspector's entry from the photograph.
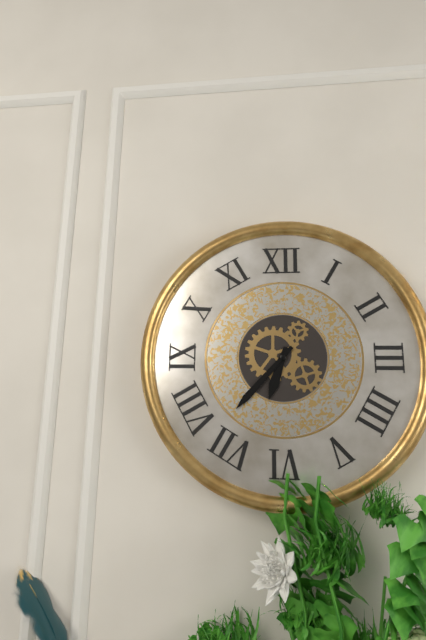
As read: 6.37
